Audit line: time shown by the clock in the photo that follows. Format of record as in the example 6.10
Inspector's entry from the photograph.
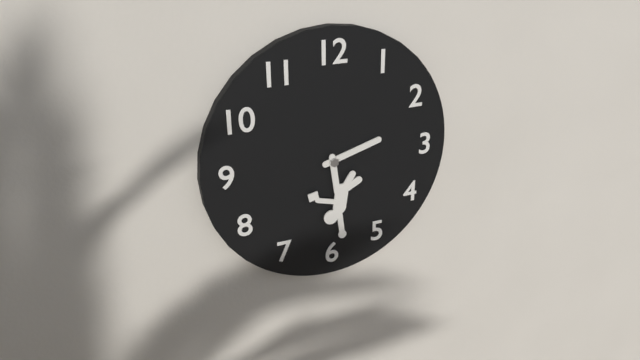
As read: 2.28
